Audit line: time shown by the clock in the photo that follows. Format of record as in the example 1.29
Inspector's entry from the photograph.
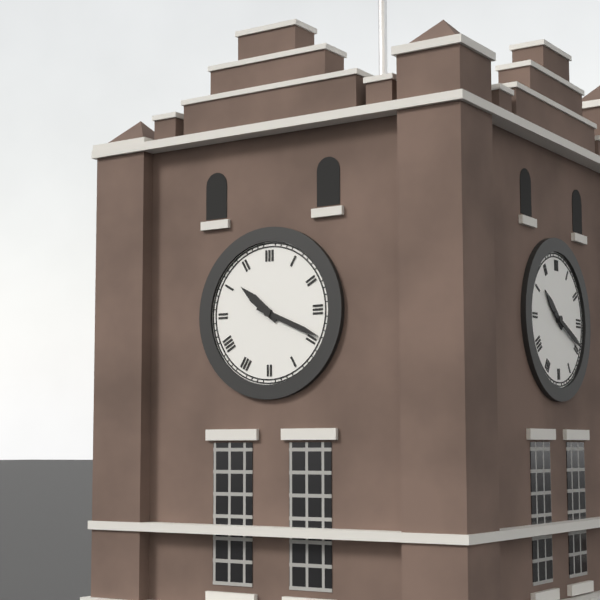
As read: 10.19
